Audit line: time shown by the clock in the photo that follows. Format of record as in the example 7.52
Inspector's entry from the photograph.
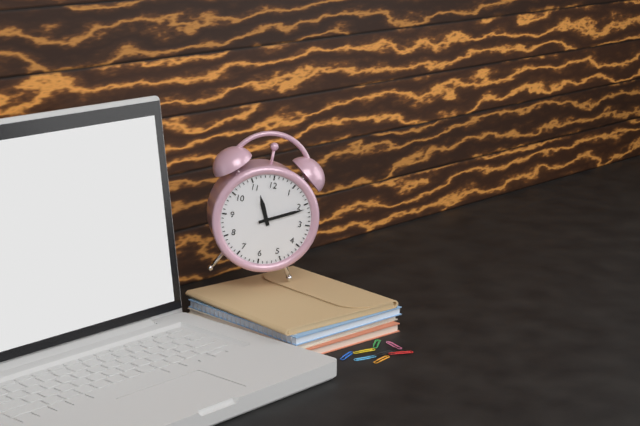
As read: 11.11
